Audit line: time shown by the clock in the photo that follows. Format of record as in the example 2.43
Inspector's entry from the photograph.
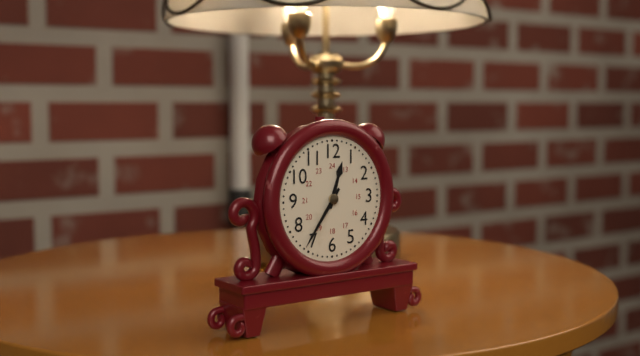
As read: 12.36
